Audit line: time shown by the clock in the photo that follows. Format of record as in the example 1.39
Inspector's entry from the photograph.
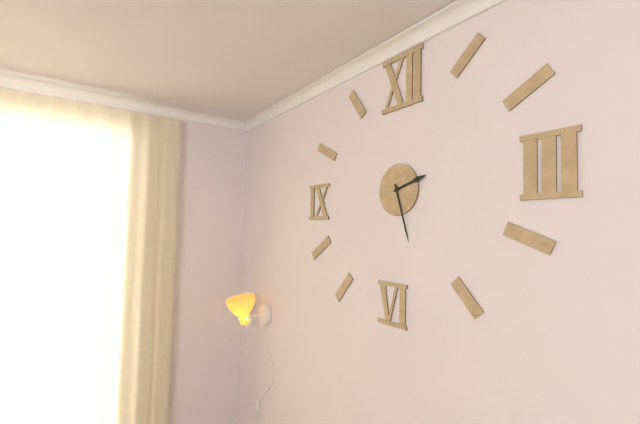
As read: 2.27
